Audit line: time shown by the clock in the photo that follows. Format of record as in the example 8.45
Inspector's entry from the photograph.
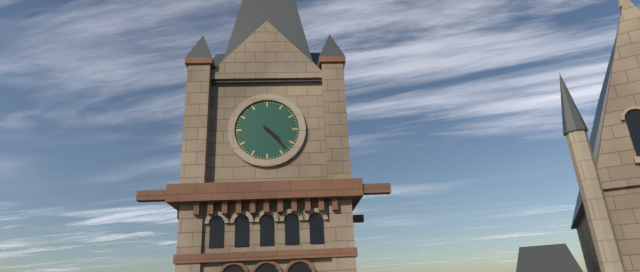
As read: 4.23
